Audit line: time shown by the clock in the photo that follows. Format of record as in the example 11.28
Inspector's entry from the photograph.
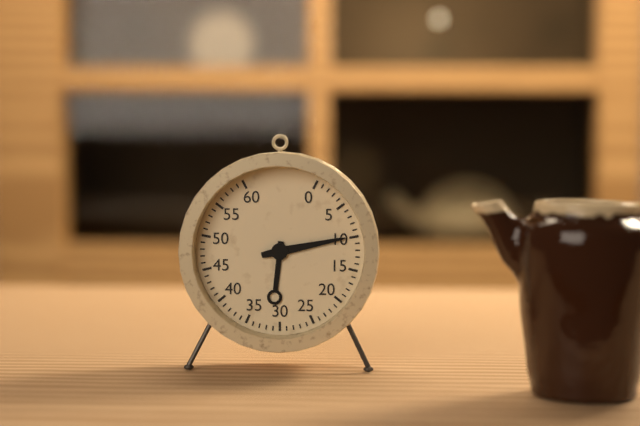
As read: 6.13
